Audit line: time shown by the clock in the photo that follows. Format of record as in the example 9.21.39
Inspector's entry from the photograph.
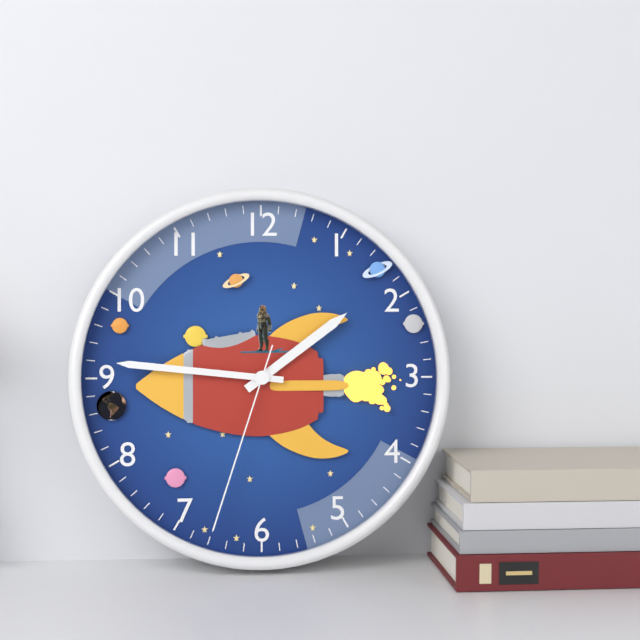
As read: 1.46.33
